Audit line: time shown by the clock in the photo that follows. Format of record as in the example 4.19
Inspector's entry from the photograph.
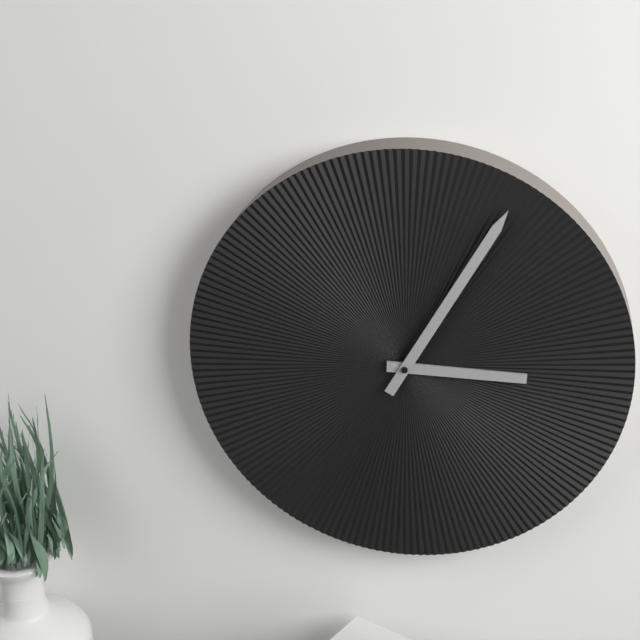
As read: 3.05
